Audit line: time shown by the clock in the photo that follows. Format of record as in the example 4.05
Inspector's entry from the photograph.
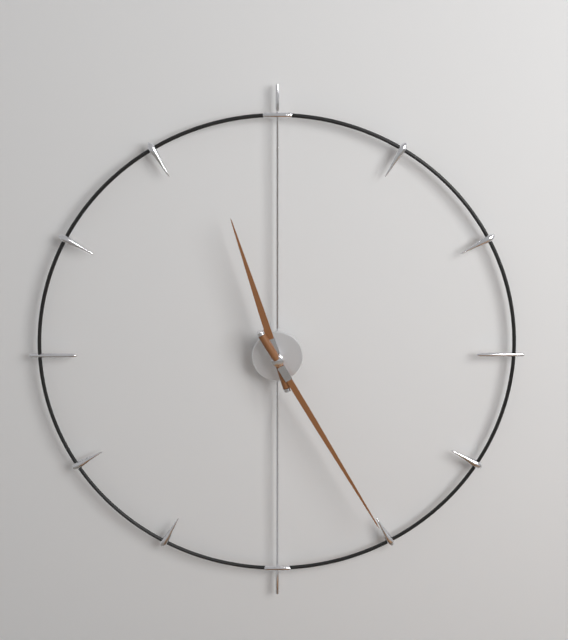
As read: 11.25
